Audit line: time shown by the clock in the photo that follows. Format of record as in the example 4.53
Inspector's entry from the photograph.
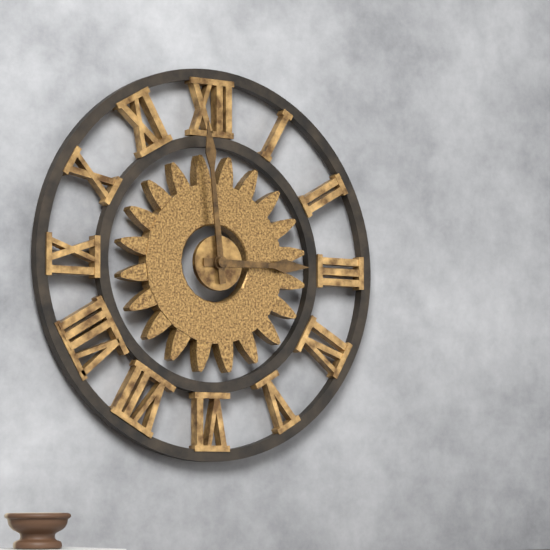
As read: 2.59
